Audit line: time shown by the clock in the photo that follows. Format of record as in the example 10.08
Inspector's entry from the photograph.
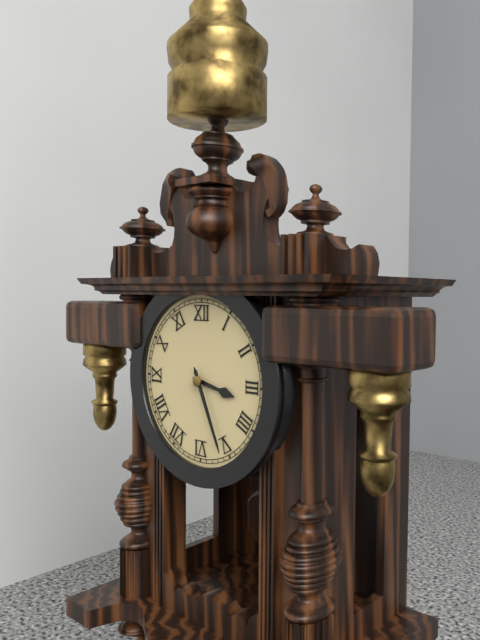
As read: 3.26
